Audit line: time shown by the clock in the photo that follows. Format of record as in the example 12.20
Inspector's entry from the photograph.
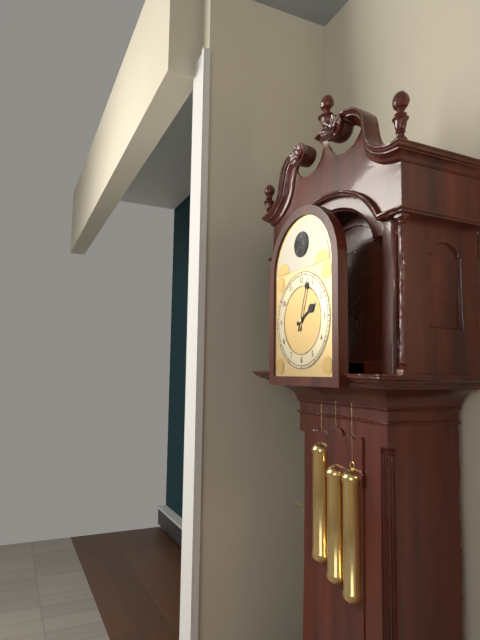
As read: 2.03
